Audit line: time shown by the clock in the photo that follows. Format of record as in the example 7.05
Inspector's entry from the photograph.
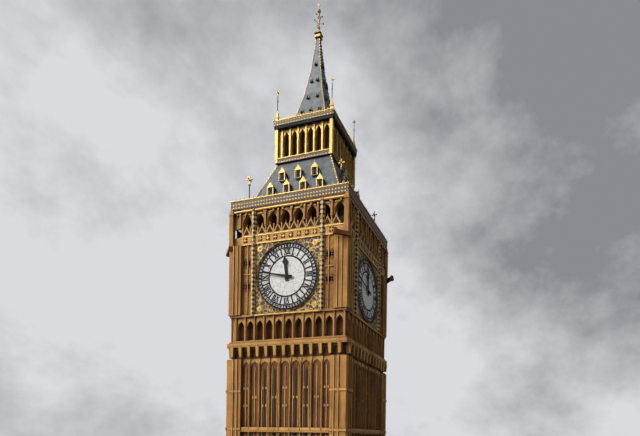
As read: 11.47
